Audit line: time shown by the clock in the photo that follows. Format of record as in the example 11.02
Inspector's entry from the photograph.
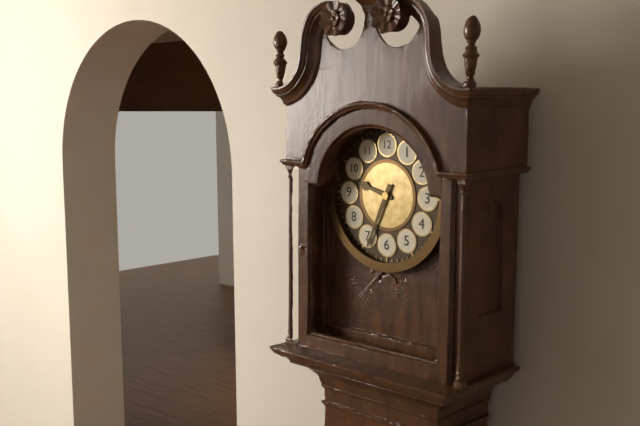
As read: 9.34
